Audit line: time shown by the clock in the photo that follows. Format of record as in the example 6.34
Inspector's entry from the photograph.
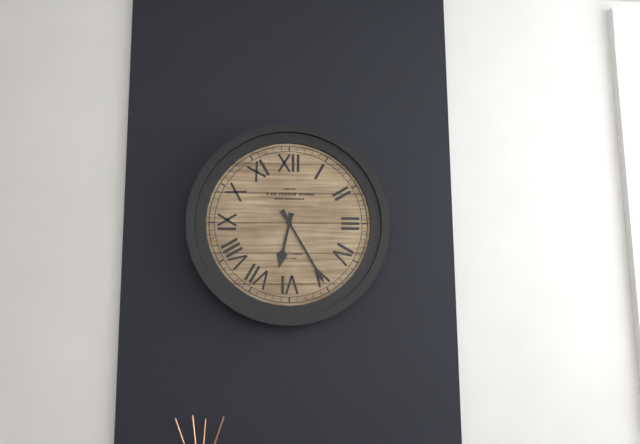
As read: 6.25
